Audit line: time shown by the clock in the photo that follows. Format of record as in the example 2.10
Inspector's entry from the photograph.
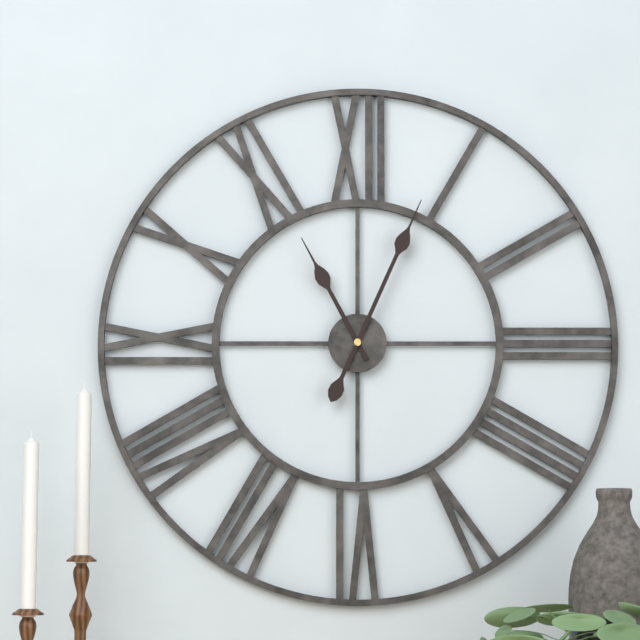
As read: 11.04
